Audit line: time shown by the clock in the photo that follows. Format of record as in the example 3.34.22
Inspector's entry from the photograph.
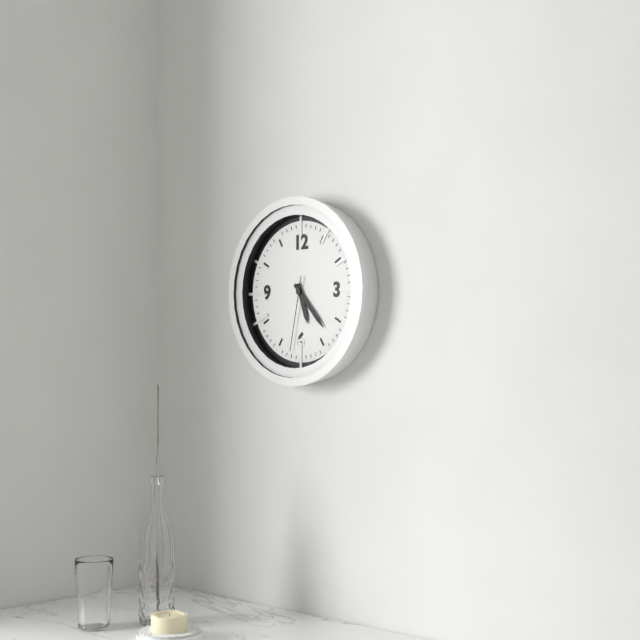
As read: 5.23.32
